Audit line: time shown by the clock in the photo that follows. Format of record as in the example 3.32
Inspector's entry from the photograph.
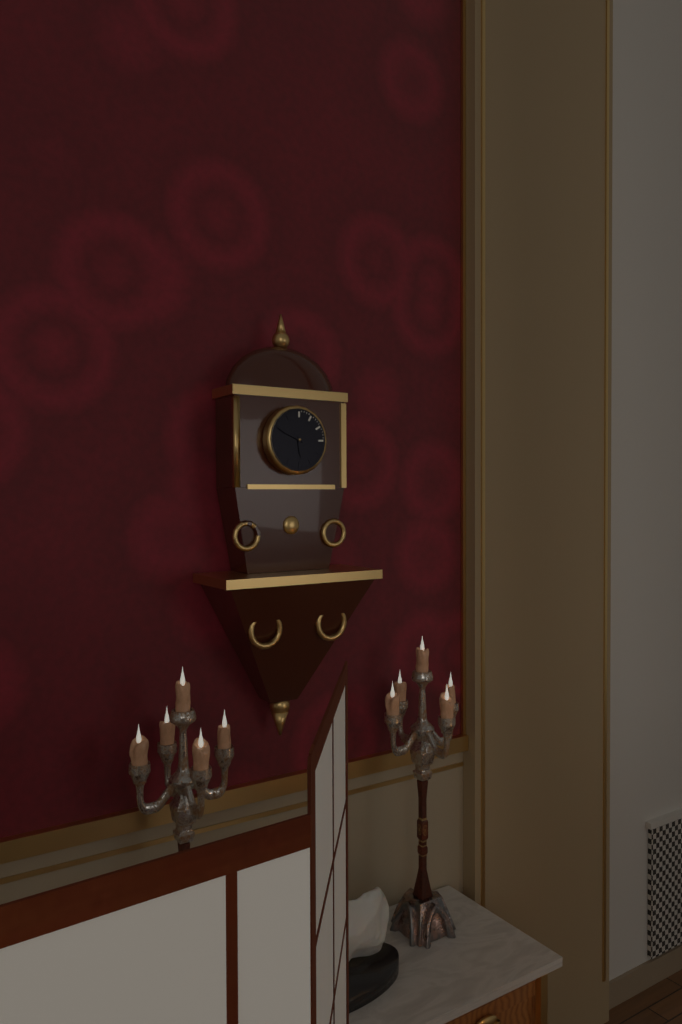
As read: 5.49
